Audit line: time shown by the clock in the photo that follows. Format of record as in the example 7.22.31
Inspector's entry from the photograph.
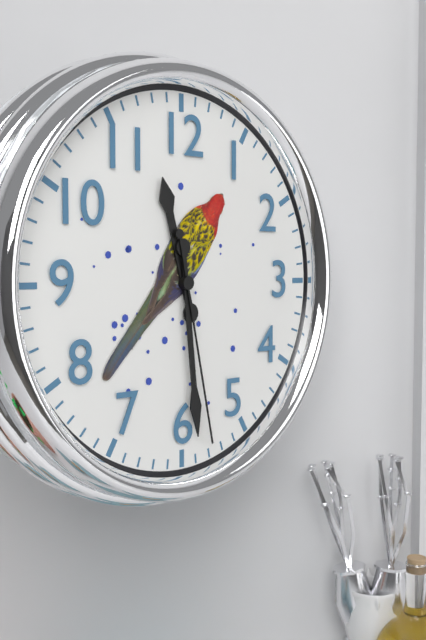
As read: 11.29.28
